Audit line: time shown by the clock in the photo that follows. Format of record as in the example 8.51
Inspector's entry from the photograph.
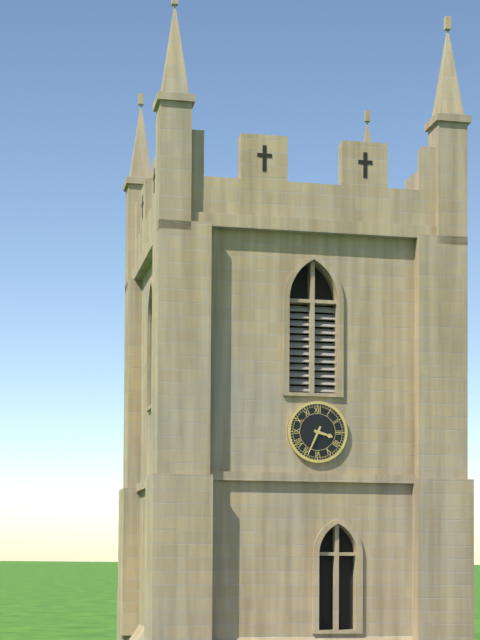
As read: 3.34
